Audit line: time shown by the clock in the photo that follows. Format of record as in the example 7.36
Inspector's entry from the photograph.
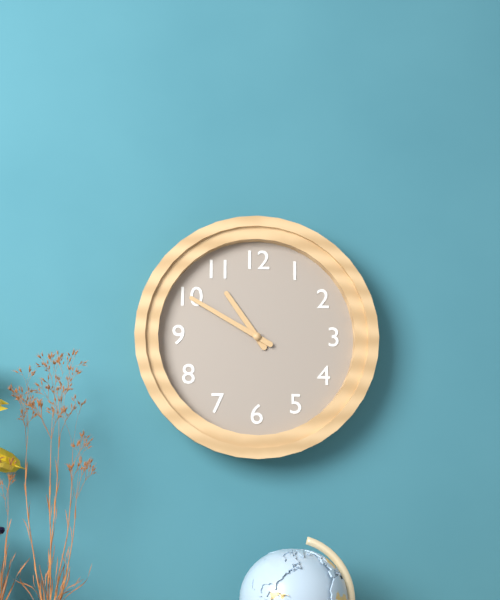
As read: 10.50
